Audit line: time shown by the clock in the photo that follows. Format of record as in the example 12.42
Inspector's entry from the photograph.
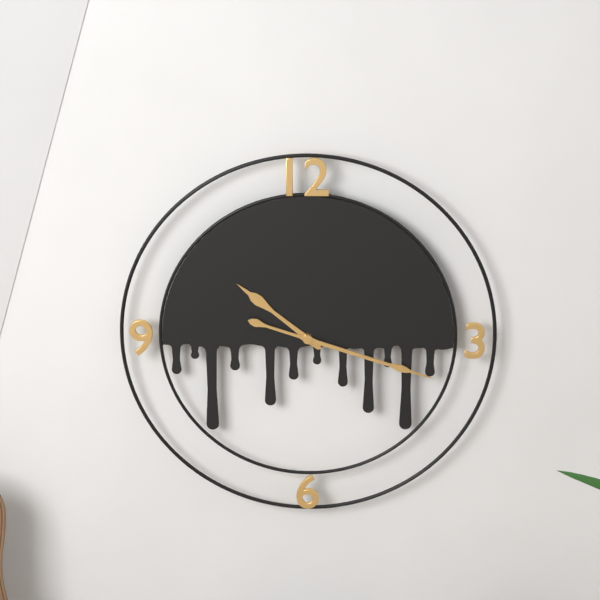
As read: 10.18
